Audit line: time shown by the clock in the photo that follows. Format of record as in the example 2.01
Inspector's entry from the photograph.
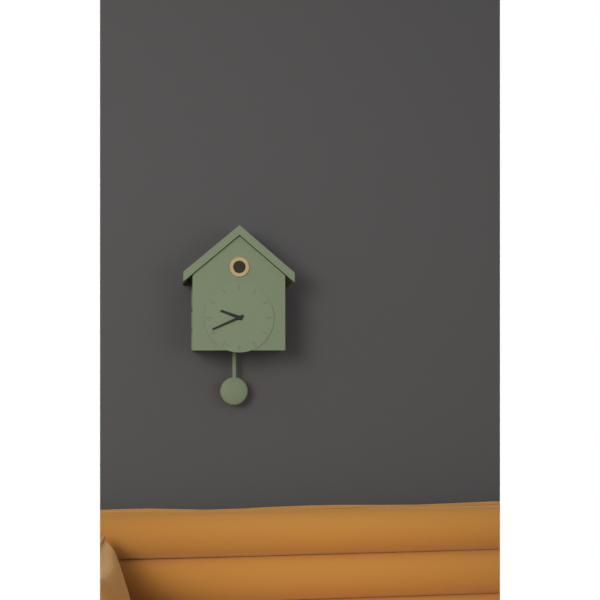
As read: 9.41
